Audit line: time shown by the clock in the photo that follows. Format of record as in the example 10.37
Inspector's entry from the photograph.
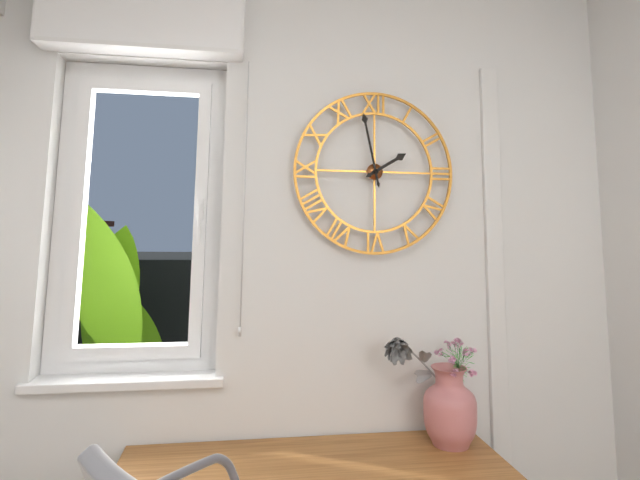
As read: 1.58
